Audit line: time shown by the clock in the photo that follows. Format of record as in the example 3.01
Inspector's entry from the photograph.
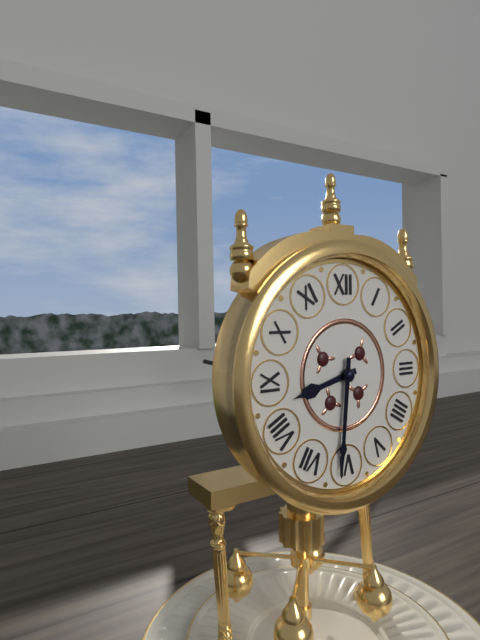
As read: 8.31
